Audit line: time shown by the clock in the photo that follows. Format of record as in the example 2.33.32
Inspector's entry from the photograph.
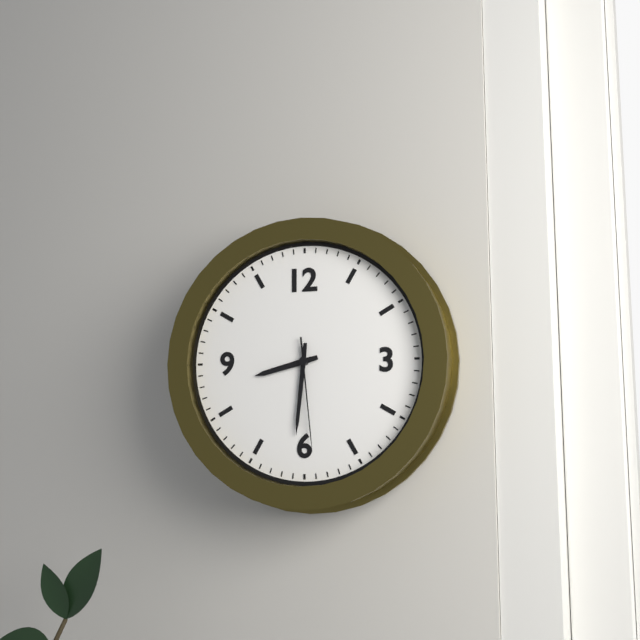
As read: 8.31.29
